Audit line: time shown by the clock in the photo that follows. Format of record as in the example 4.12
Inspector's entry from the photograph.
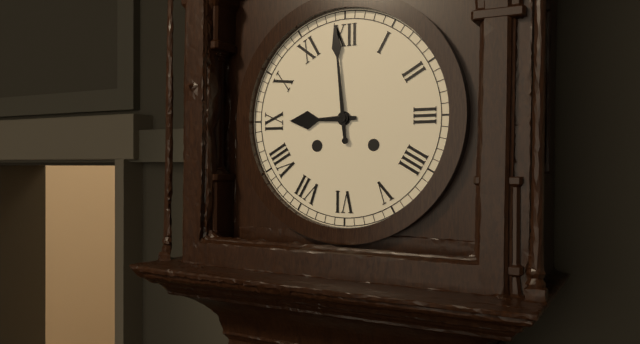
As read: 8.59
